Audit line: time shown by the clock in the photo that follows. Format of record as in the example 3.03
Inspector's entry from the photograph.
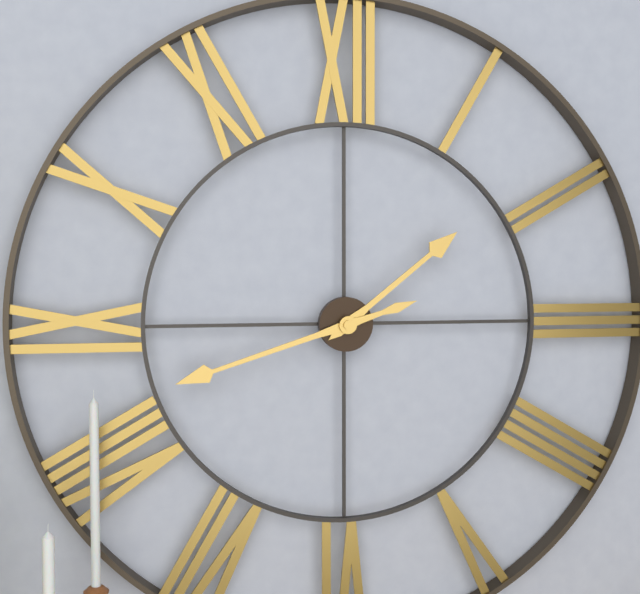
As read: 1.42
